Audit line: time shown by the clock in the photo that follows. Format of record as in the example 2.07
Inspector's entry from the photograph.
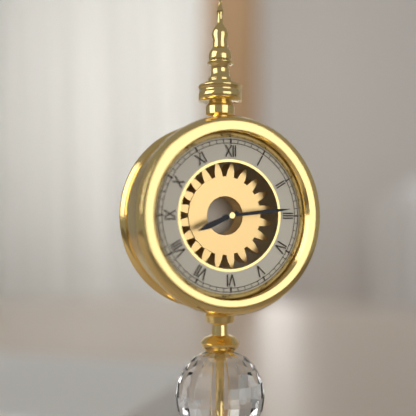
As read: 8.14
